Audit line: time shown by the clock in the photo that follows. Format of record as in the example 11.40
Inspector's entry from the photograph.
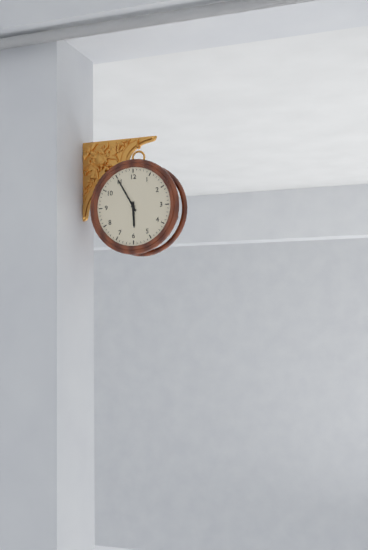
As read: 5.55
